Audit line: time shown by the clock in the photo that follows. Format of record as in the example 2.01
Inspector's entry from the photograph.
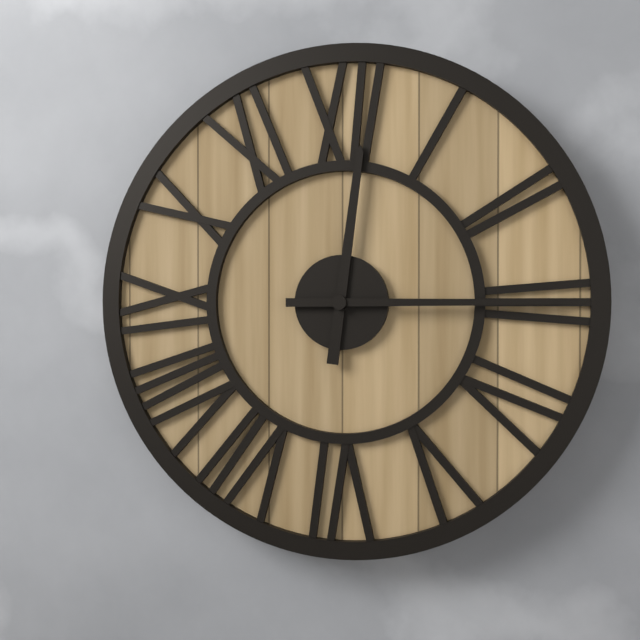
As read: 12.15
